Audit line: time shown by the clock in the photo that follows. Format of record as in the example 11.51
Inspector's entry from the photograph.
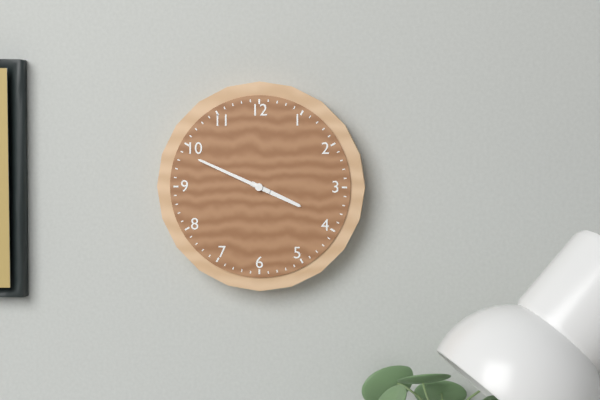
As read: 3.49
